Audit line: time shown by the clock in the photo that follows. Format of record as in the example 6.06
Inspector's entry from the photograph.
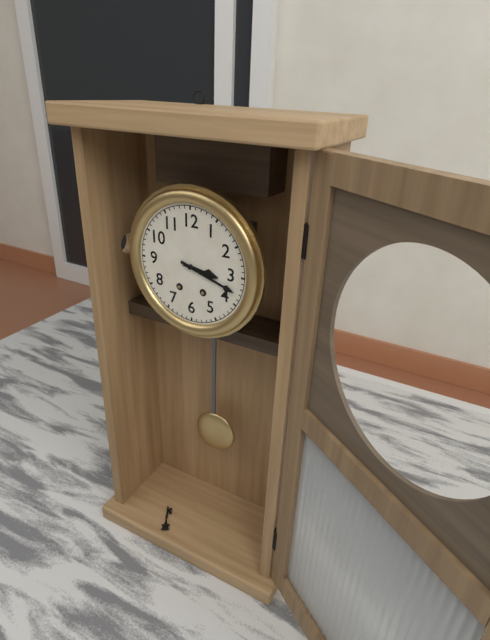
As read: 3.18
